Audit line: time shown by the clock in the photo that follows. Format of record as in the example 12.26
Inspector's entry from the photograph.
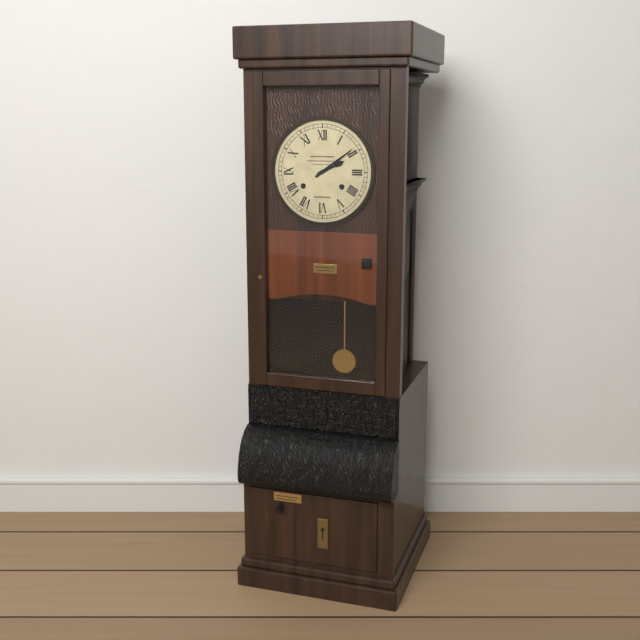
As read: 2.09
